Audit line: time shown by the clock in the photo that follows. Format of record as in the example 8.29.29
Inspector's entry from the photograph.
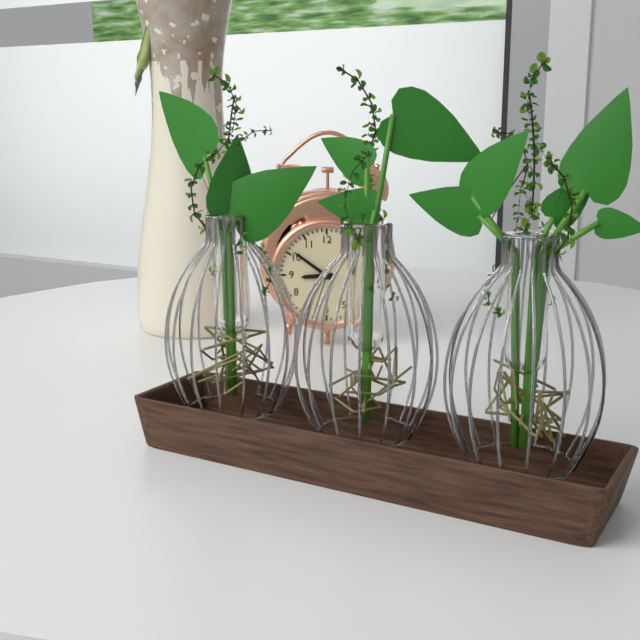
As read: 8.51.33
